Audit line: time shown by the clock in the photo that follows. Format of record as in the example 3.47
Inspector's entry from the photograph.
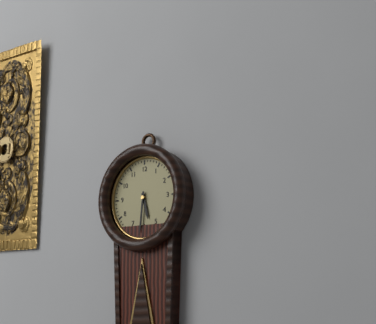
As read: 5.31
